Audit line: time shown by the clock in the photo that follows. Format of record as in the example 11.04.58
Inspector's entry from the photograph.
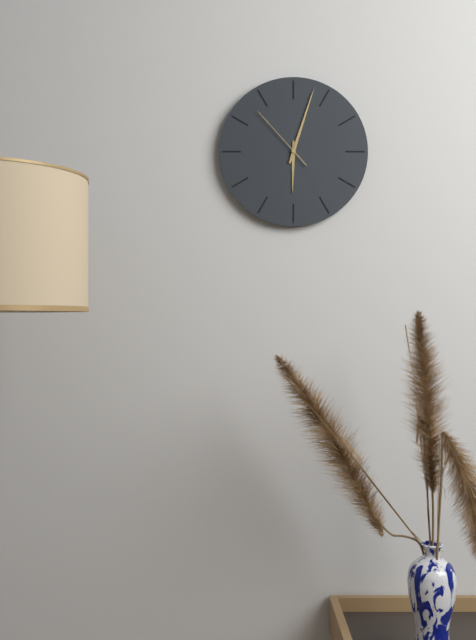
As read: 6.03.53
